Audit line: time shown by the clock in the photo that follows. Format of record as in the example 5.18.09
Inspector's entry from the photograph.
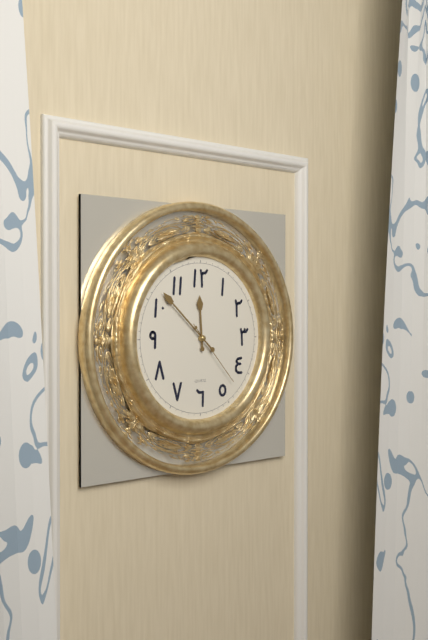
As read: 11.52.23
